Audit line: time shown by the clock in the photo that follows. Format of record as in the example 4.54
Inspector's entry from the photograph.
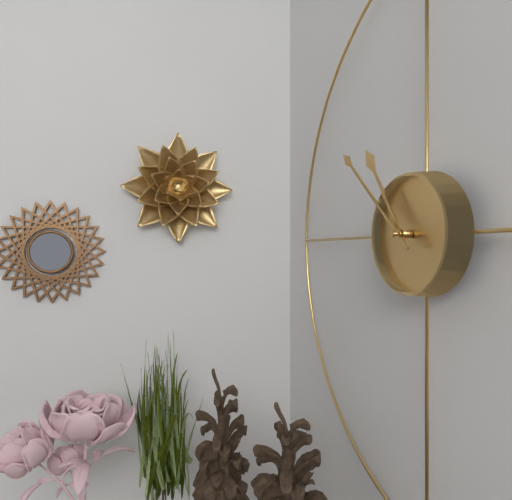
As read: 10.52
